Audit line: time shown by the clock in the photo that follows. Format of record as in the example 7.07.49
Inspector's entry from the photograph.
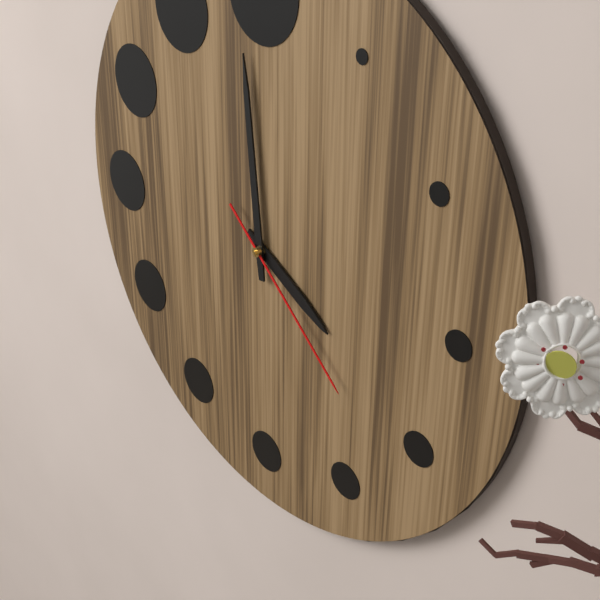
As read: 3.59.22
